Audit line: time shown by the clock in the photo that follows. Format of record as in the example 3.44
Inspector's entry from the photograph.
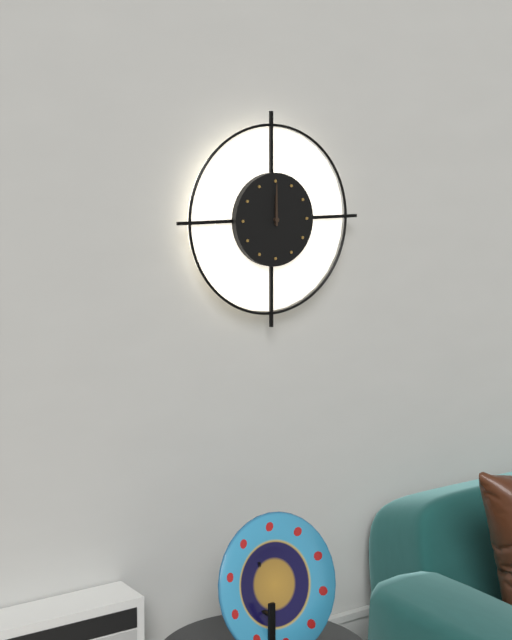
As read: 12.00
